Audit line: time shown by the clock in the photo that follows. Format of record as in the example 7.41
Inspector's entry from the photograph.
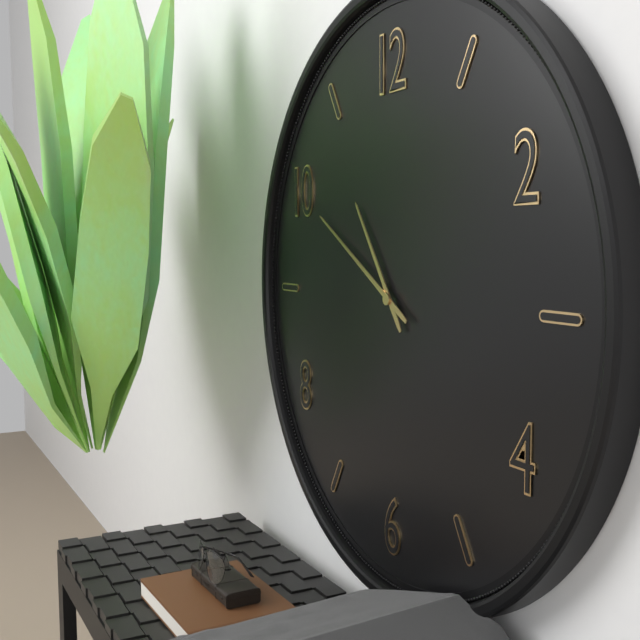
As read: 10.50
